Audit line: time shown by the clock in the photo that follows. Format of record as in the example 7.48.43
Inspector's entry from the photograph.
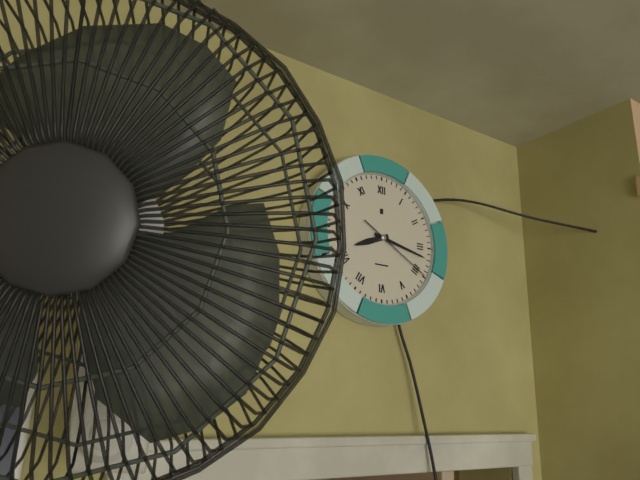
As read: 8.17.20
